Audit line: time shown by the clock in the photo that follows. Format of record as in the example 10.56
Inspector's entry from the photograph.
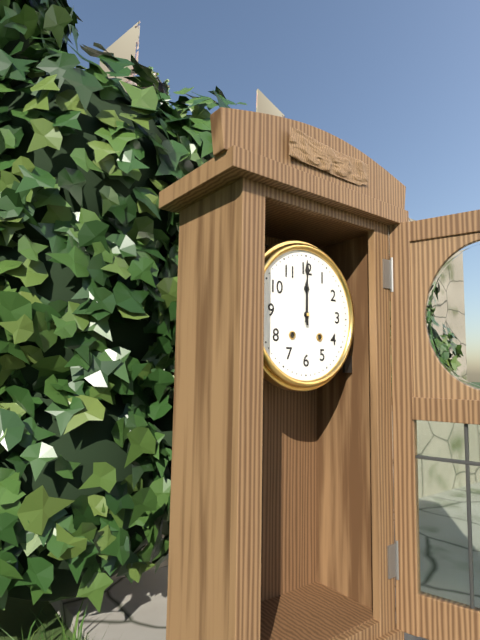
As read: 12.00
